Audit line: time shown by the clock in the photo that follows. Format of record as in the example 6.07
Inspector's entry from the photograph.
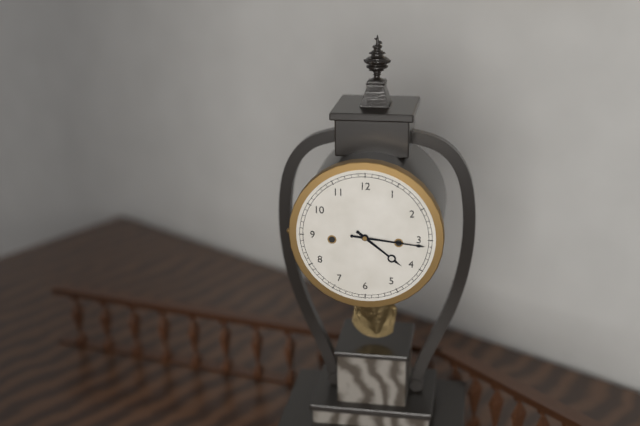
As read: 4.16
